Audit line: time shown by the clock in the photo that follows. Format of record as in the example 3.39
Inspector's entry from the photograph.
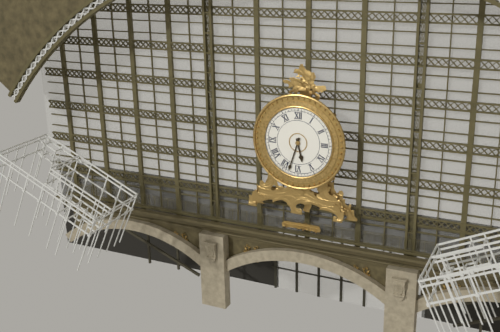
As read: 5.33
